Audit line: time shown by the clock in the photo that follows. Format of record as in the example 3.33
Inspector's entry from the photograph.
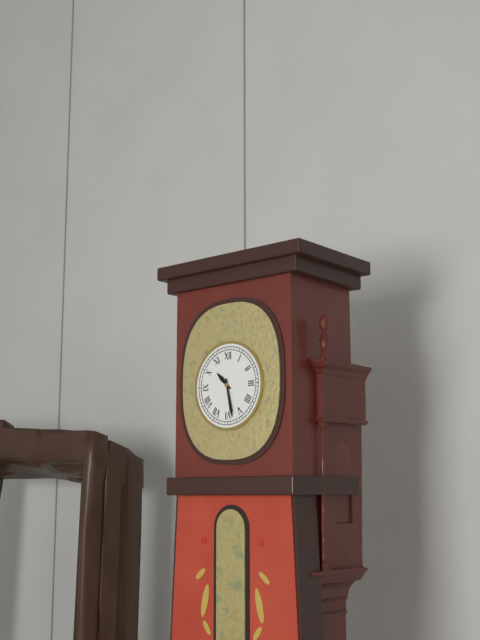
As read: 10.28
